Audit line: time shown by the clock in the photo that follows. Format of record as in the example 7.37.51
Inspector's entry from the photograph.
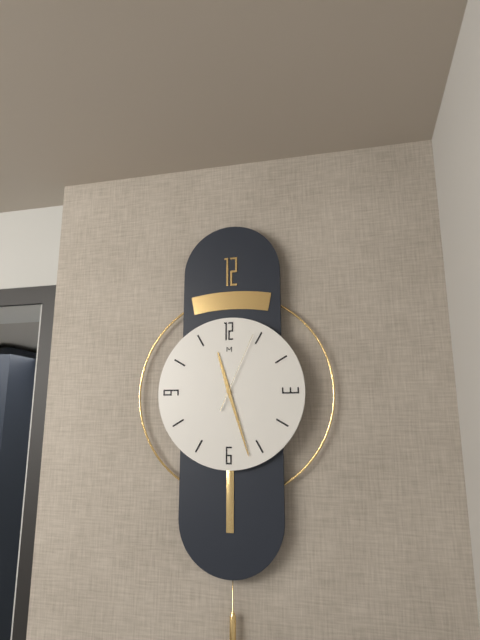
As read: 11.27.04
